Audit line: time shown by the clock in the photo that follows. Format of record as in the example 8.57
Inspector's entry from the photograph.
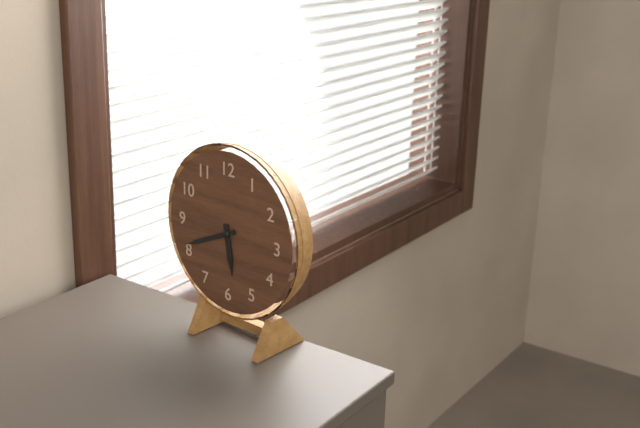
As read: 5.41
